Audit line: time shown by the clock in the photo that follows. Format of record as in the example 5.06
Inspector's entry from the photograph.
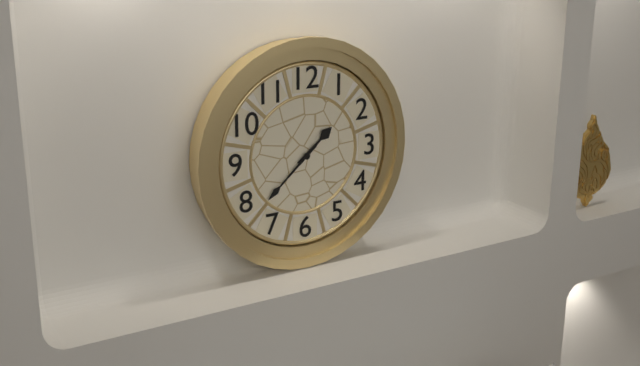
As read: 1.38
